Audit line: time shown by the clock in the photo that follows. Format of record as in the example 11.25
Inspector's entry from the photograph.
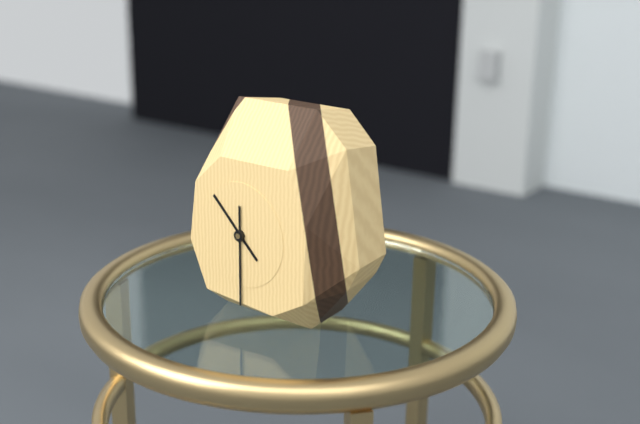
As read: 10.30
